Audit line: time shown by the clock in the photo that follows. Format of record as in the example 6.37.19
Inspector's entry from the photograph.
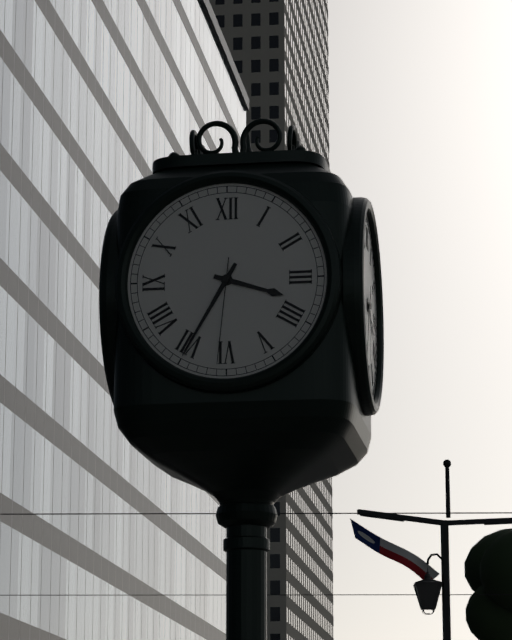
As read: 3.35.31
